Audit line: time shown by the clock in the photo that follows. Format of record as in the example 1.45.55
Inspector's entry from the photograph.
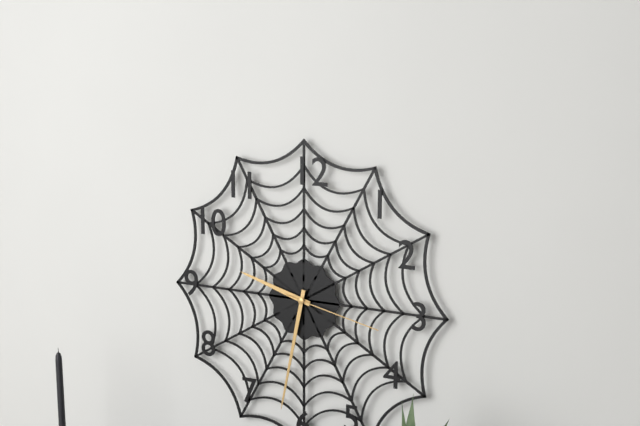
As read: 9.32.17
